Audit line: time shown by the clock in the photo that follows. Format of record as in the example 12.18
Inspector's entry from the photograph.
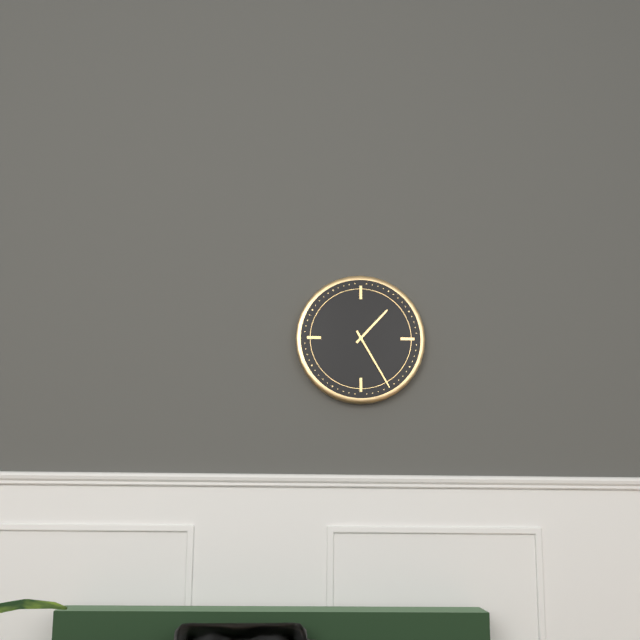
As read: 1.25
